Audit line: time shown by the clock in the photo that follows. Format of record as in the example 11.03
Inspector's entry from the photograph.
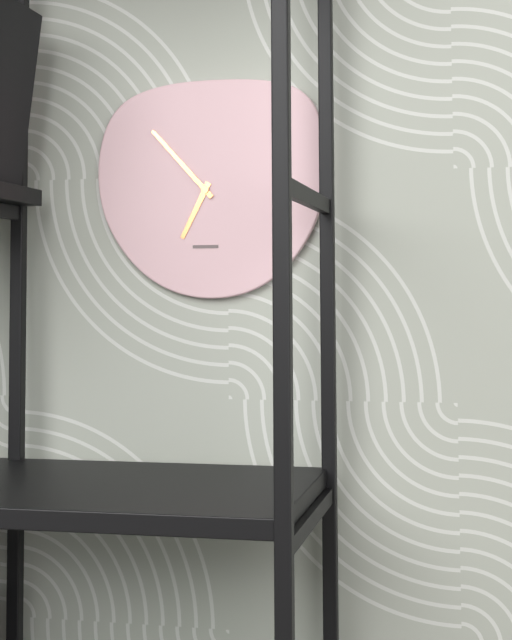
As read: 6.53
